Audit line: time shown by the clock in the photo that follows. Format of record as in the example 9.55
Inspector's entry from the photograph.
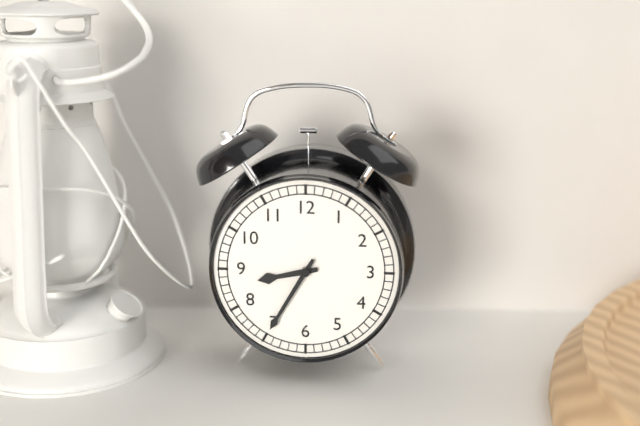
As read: 8.35
